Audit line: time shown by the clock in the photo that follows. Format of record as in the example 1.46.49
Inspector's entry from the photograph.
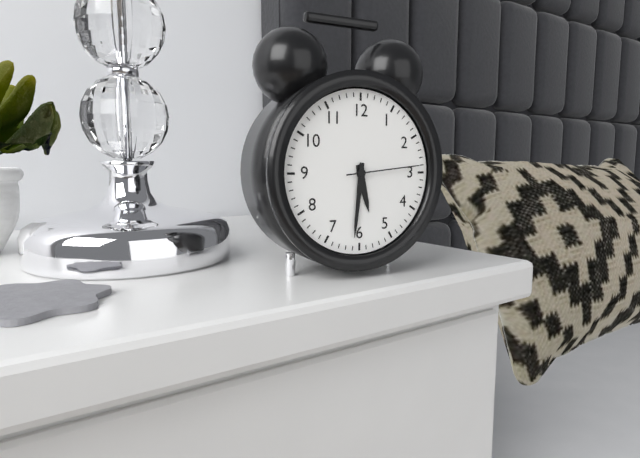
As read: 5.31.14
